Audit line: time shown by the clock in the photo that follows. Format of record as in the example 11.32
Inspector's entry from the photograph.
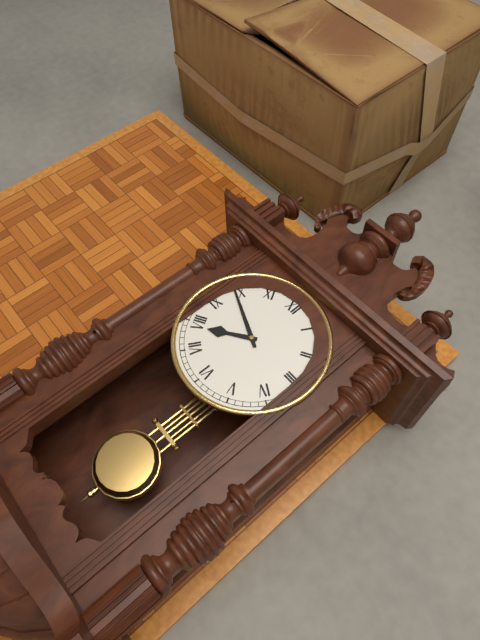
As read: 7.49
